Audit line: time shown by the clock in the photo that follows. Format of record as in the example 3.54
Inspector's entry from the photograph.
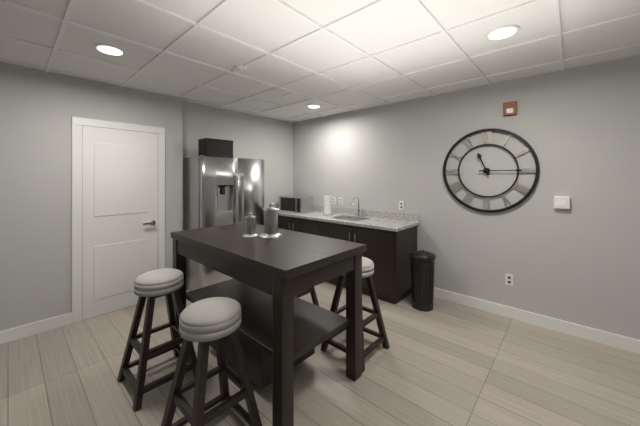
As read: 11.15
